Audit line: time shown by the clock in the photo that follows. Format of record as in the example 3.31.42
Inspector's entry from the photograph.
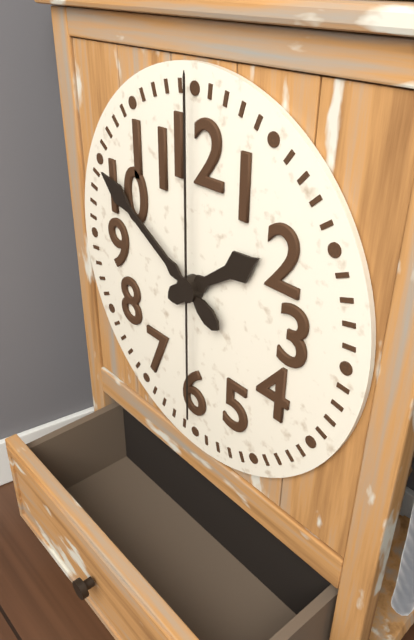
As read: 1.50.00
